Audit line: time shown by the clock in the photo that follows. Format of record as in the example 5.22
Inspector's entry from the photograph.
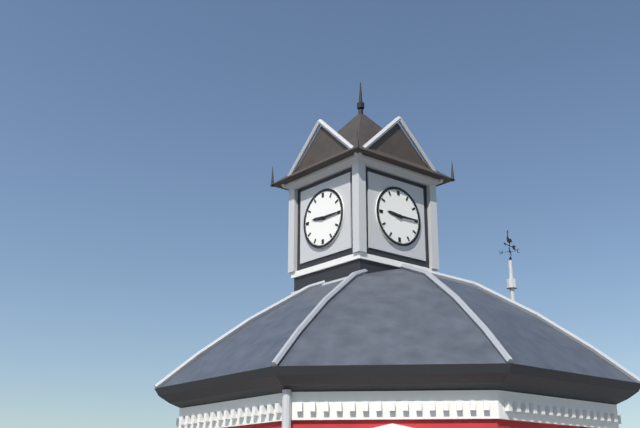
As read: 9.15
